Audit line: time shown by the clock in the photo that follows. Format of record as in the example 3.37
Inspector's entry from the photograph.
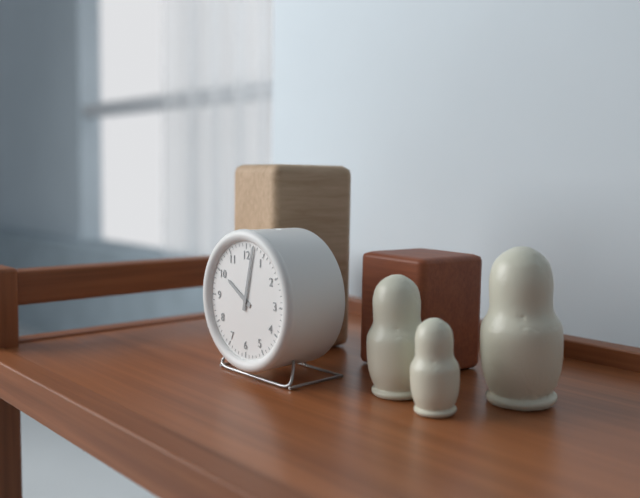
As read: 10.02
